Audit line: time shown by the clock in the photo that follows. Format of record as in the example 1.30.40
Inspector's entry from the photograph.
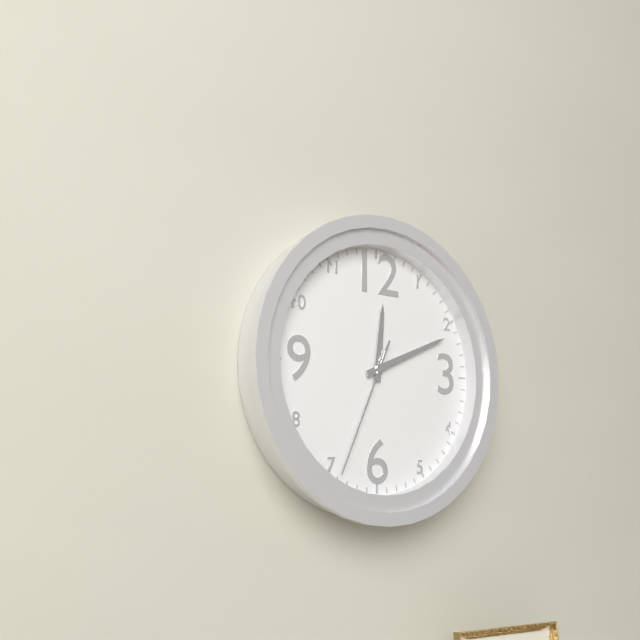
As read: 12.11.34
